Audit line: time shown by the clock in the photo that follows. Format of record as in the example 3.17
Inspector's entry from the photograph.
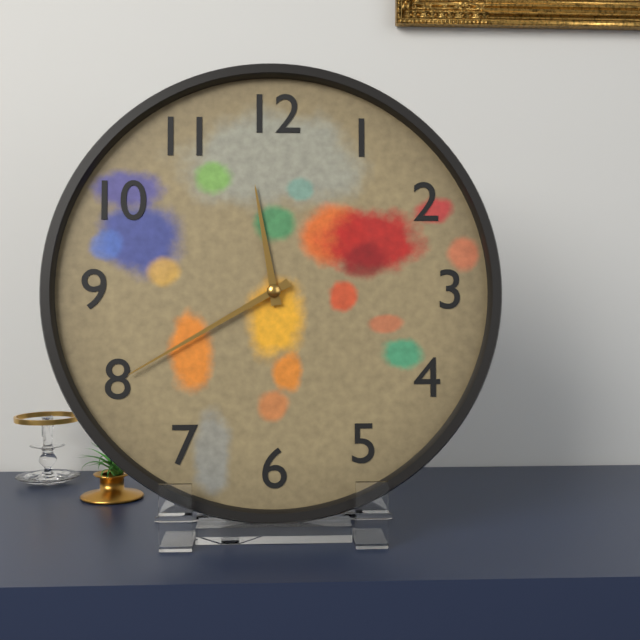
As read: 11.40
